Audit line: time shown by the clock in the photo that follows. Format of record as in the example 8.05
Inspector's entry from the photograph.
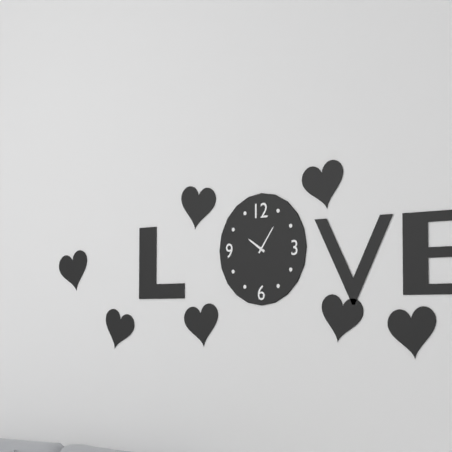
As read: 10.06
